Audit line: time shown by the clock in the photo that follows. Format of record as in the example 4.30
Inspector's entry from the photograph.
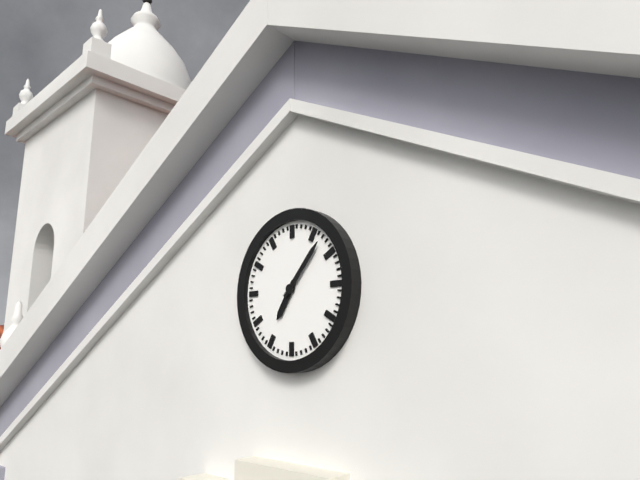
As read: 7.07
